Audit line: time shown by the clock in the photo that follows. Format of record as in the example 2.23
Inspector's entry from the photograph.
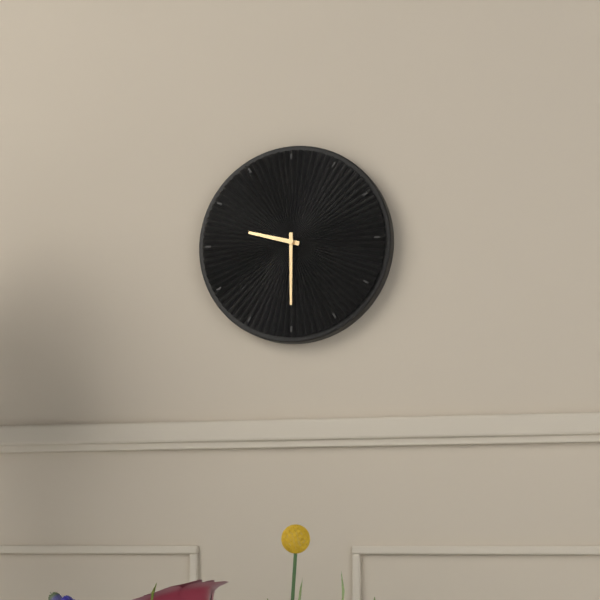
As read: 9.30
